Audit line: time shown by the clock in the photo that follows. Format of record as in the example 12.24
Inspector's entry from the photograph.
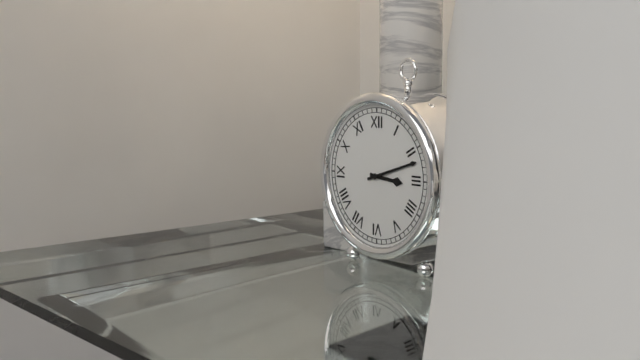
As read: 3.12
